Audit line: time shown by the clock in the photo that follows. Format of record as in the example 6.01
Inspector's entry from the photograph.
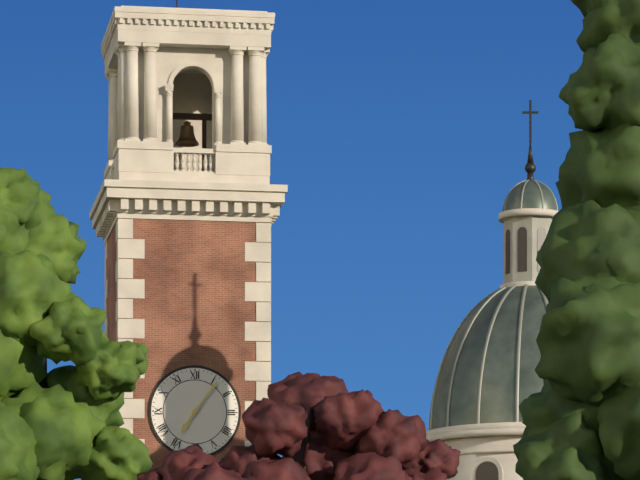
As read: 7.06
